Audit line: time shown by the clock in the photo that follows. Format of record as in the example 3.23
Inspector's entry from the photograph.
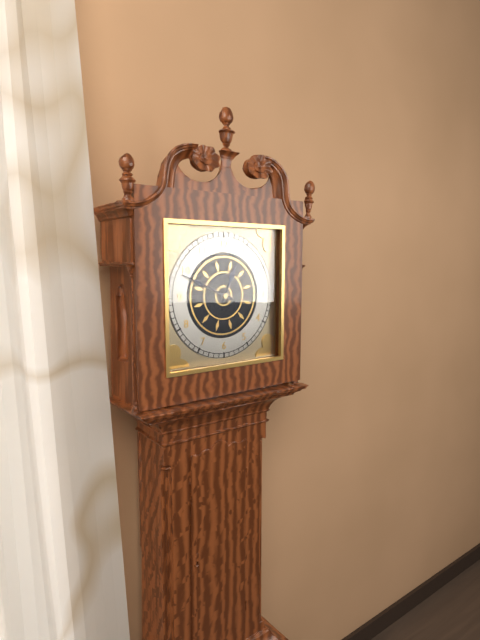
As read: 12.49
